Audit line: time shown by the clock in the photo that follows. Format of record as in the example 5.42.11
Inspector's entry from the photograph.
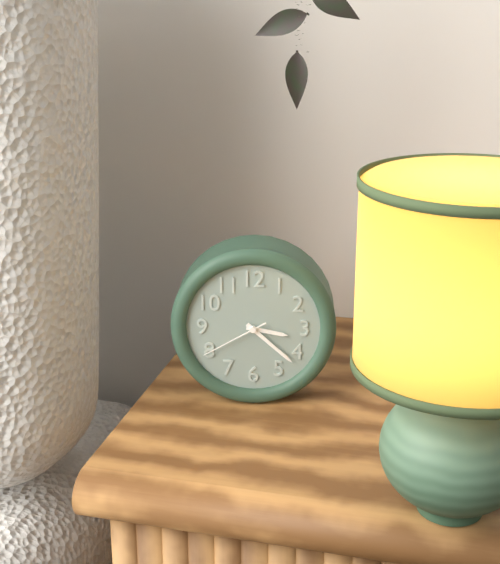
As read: 3.22.40
